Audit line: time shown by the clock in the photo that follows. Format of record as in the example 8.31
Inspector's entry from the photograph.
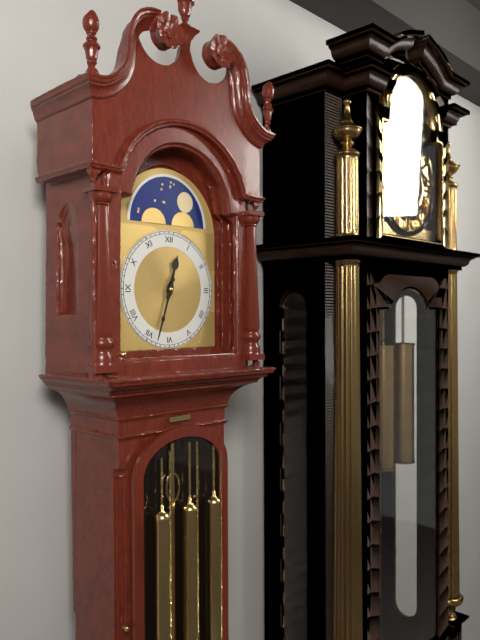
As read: 12.33
